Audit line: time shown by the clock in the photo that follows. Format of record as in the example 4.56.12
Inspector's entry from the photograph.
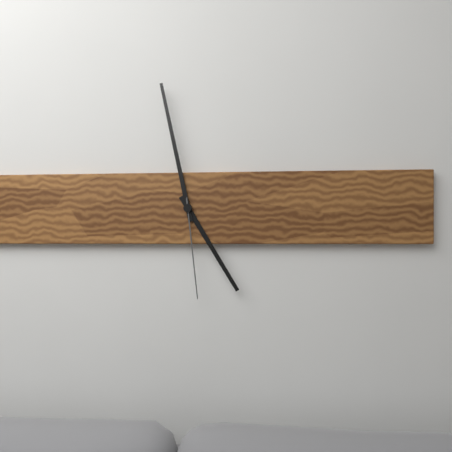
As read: 4.58.29
